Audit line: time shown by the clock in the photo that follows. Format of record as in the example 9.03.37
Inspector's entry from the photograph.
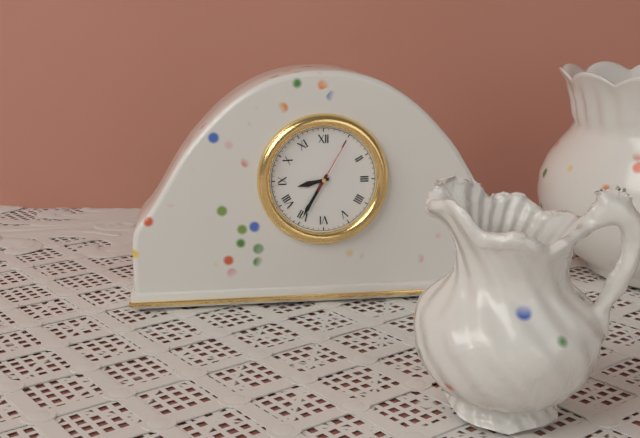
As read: 8.35.05
